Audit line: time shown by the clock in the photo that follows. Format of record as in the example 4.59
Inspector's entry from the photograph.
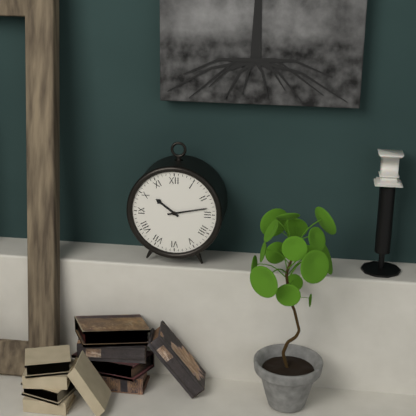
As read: 10.13
